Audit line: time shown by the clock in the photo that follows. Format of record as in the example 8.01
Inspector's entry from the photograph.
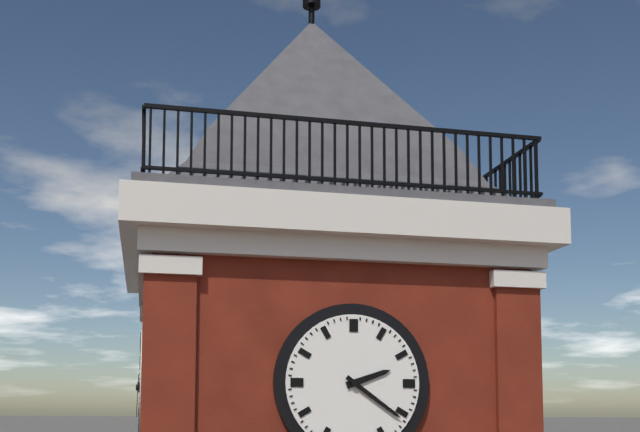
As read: 2.21
